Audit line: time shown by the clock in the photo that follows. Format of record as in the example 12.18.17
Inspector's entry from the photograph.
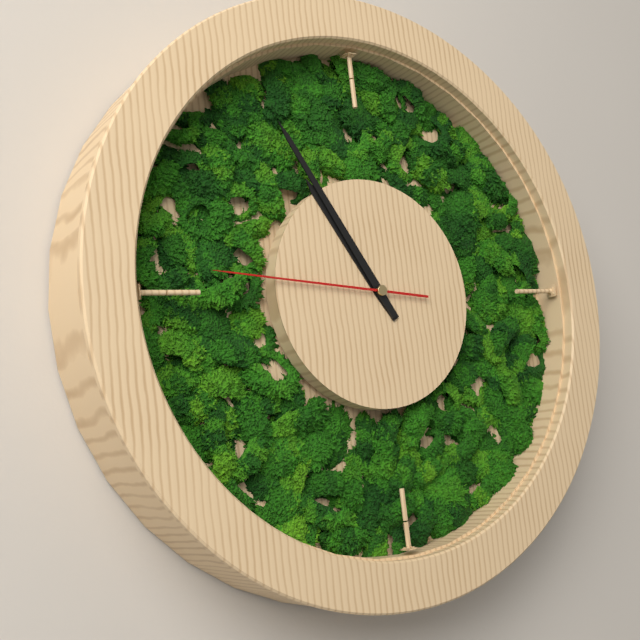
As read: 10.55.46
